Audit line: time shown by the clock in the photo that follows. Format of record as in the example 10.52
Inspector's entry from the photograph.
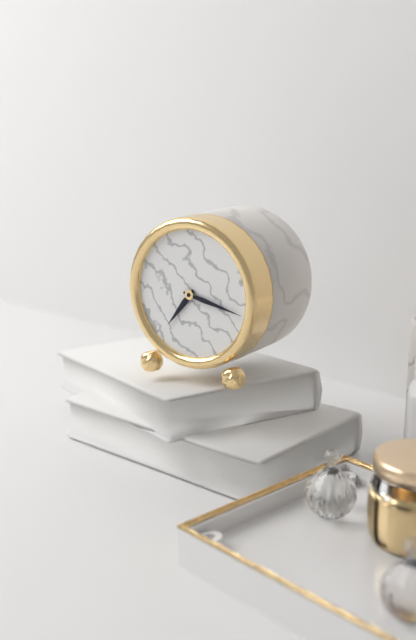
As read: 7.17
